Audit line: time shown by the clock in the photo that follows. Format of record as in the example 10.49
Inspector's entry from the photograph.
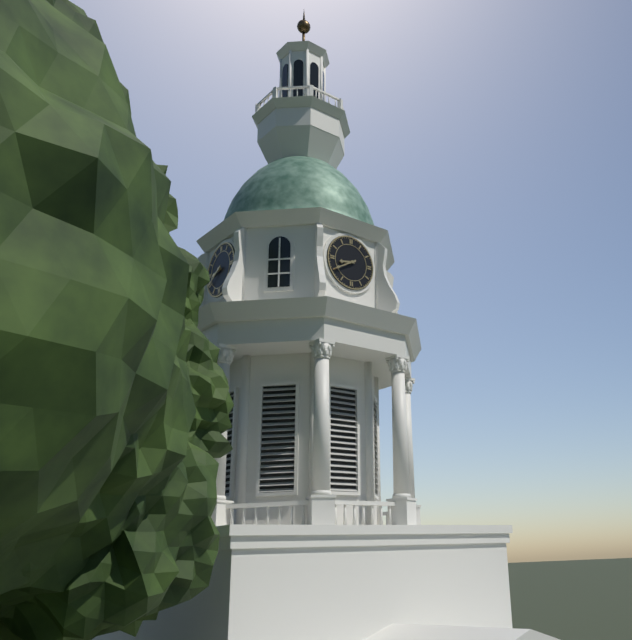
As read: 8.40
